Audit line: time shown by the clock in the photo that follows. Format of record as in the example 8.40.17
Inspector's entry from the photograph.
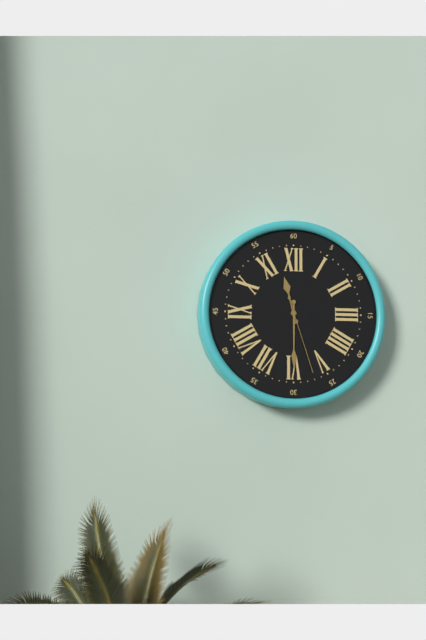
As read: 11.30.27
